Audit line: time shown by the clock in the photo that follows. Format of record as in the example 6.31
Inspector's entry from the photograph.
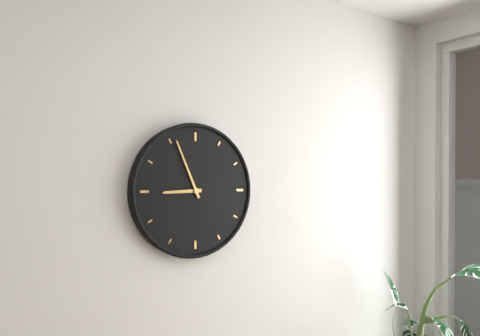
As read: 8.56
